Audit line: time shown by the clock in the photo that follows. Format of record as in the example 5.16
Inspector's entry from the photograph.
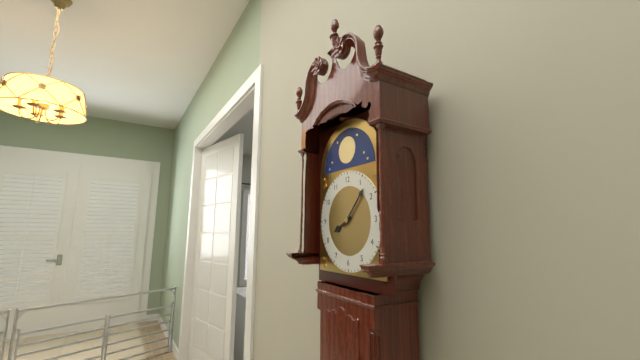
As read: 8.07
